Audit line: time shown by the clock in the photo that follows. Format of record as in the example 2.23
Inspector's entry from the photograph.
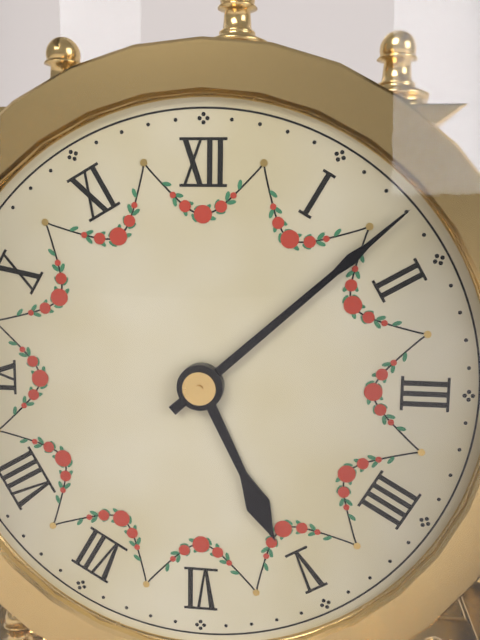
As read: 5.08
